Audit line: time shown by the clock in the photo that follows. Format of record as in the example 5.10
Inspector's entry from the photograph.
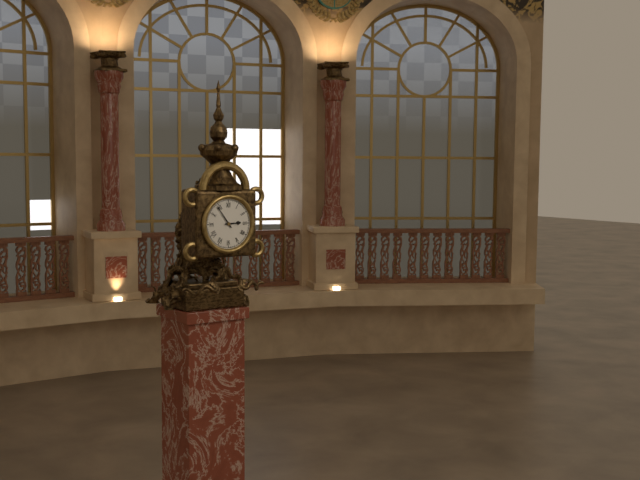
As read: 2.54
